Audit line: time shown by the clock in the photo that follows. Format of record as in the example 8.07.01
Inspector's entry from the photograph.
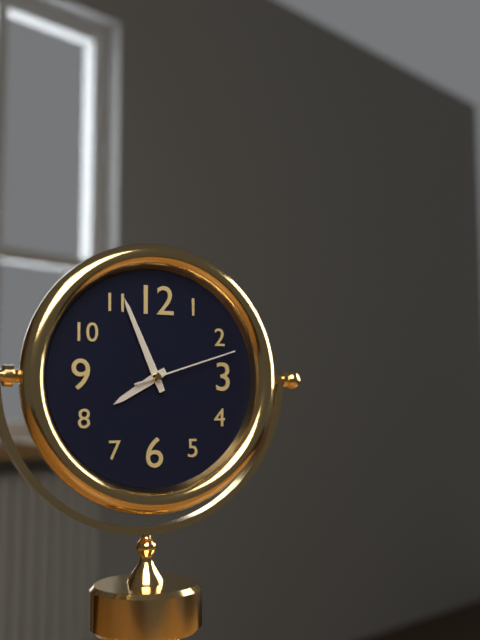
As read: 7.56.12
